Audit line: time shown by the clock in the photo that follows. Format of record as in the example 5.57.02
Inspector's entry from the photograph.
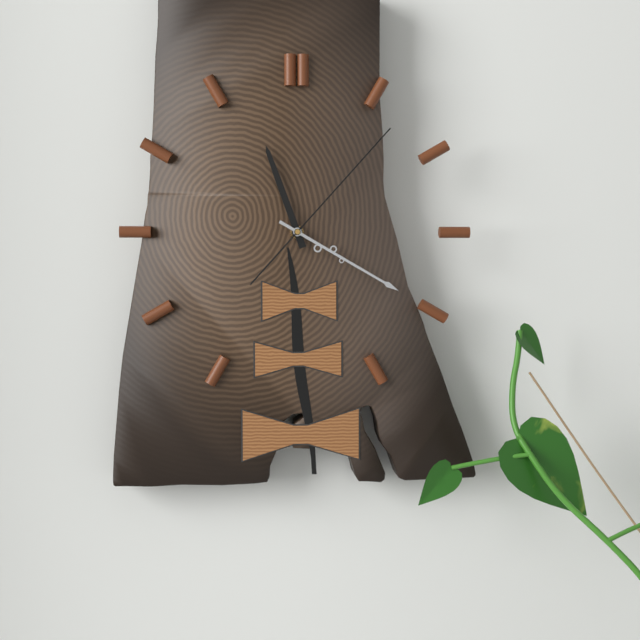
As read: 11.20.07
